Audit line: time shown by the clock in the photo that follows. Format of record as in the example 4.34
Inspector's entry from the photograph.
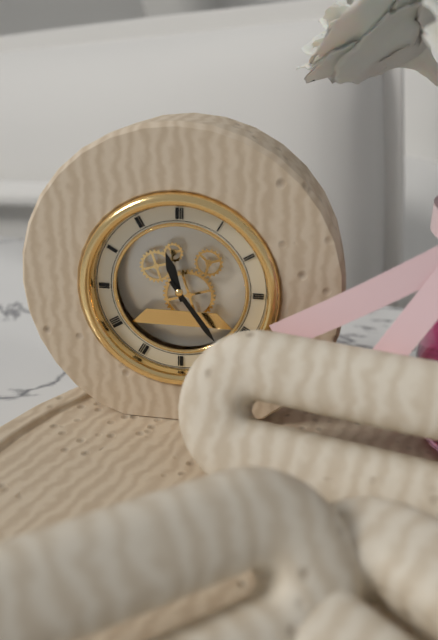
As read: 11.24
